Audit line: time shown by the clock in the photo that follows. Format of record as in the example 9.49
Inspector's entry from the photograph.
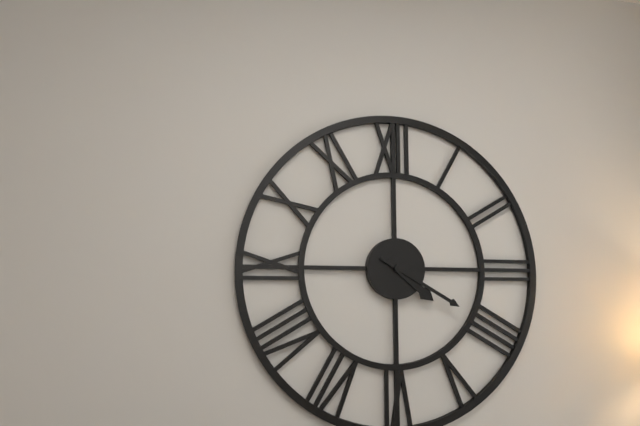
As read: 4.20
